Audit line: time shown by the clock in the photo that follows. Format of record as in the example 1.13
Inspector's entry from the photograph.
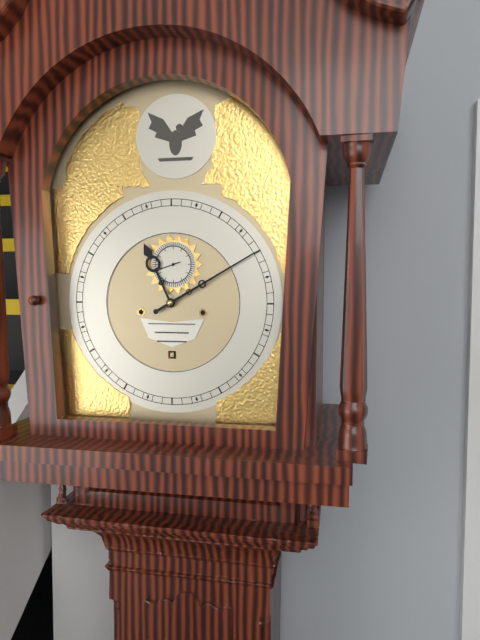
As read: 11.10
